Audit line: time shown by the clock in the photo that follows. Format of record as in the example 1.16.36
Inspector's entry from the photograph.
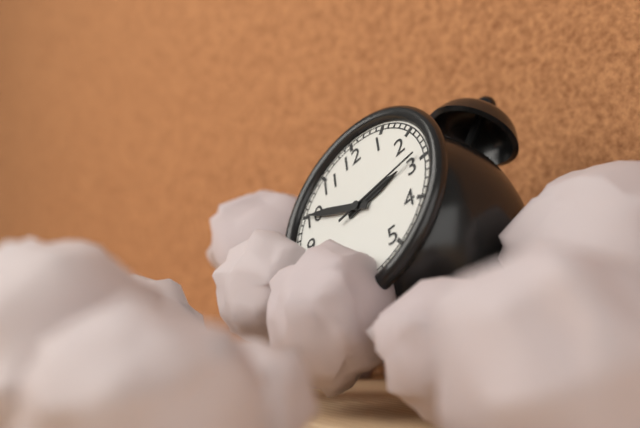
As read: 2.50.14
